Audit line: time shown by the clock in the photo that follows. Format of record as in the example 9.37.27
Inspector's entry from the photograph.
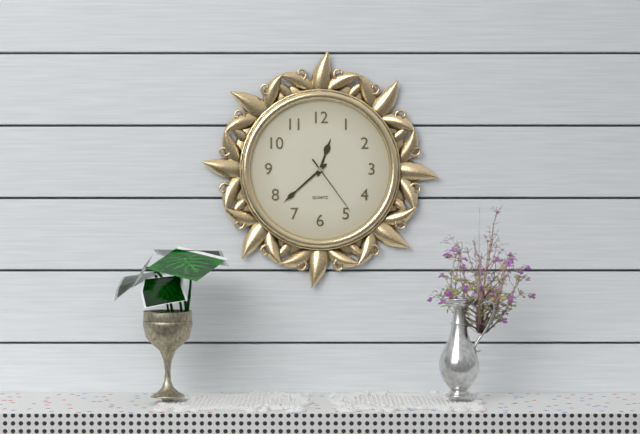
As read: 12.38.24
